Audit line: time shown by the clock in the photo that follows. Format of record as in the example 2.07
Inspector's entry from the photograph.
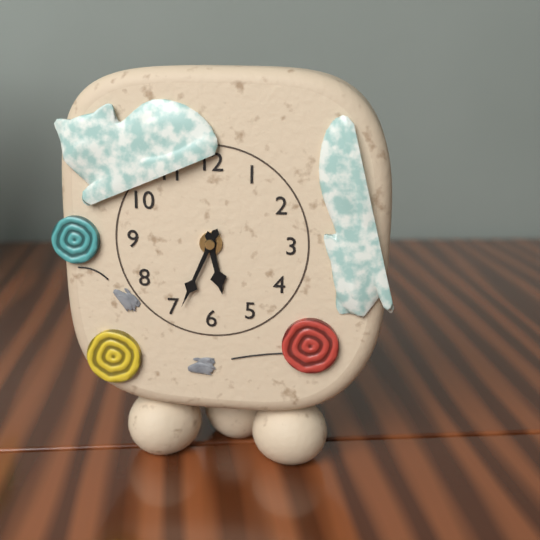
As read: 5.34
